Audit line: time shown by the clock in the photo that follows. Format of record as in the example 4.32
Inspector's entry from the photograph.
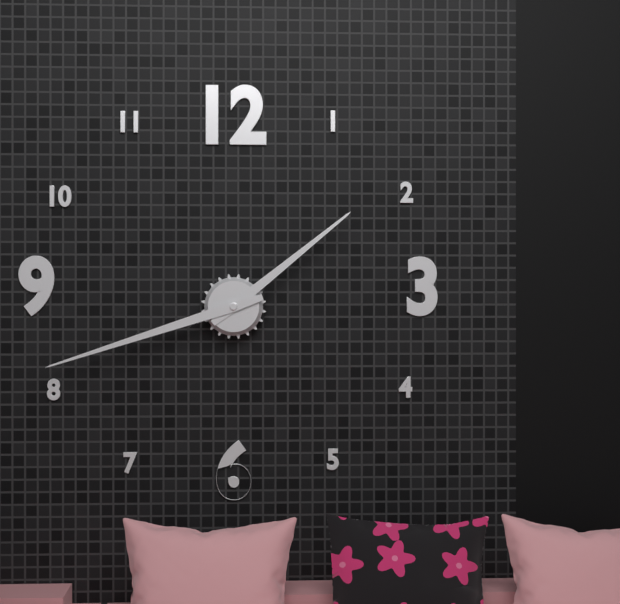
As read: 1.42
